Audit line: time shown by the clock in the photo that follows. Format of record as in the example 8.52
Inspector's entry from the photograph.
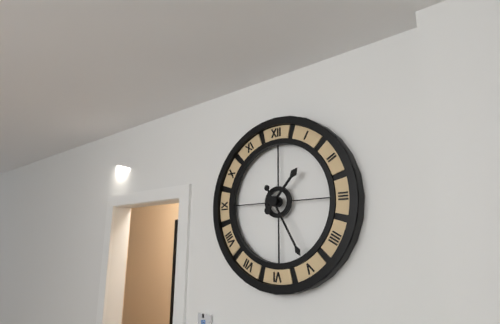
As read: 1.25
